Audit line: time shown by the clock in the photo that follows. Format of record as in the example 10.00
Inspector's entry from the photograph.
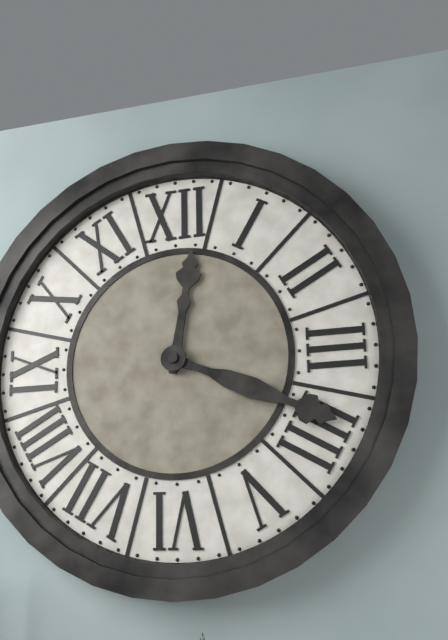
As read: 12.19
